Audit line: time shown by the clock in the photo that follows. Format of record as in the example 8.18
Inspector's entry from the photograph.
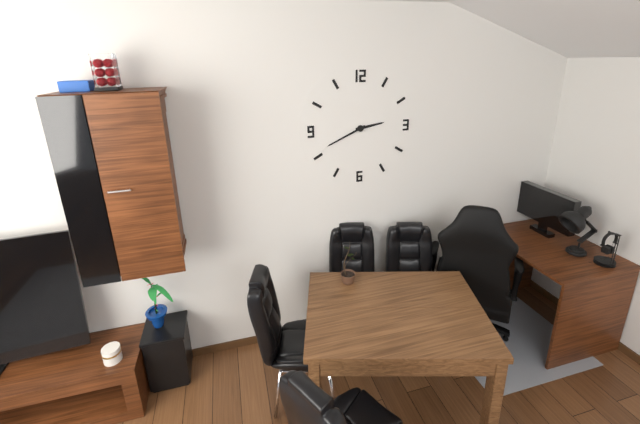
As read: 2.41
